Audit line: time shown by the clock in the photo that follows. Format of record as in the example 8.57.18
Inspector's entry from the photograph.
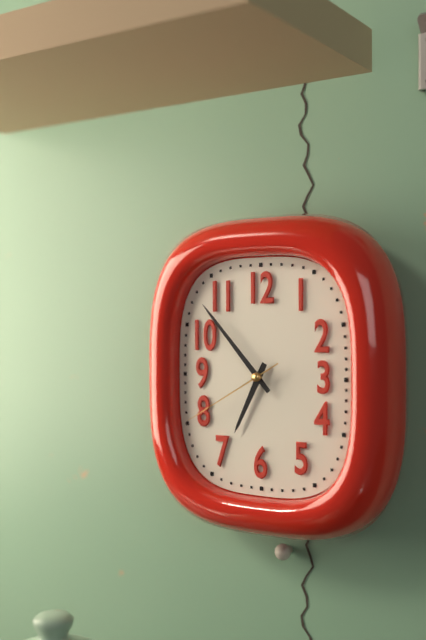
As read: 6.53.40
